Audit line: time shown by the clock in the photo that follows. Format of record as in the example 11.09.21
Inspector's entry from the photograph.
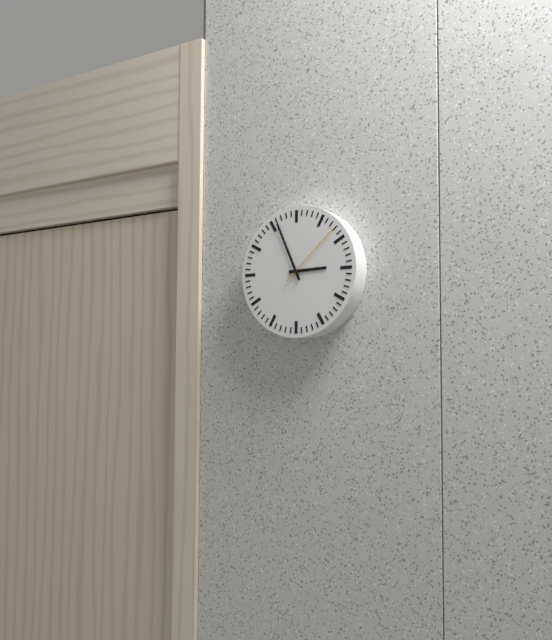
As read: 2.56.08
